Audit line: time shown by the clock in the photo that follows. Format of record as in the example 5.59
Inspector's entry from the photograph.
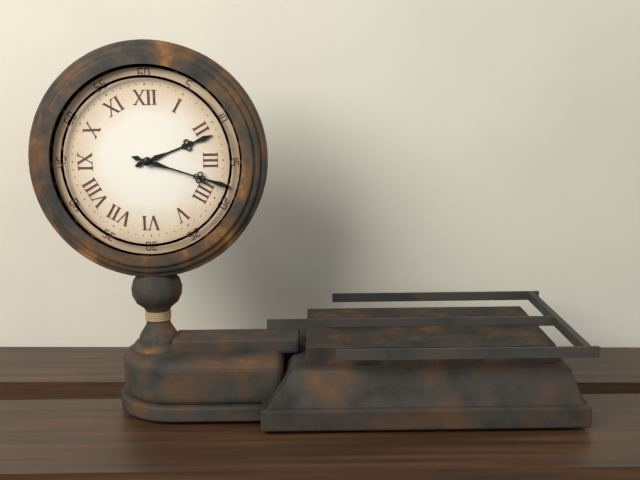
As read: 2.18
